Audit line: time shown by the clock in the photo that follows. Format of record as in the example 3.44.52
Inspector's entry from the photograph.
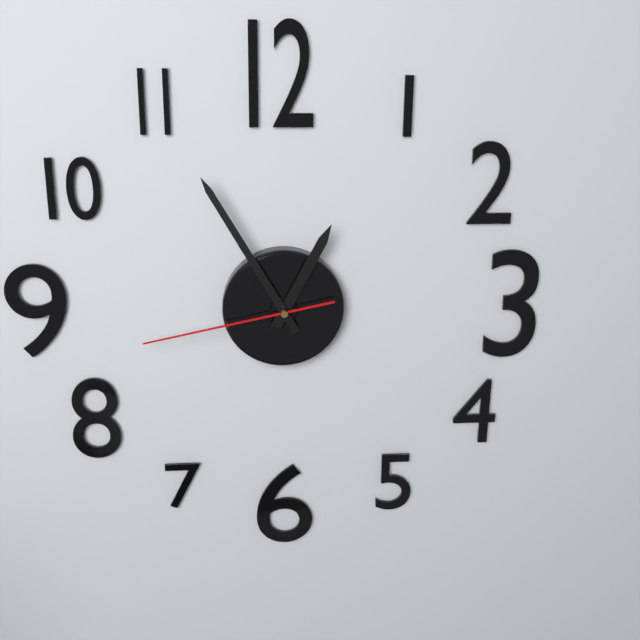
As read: 12.55.43
